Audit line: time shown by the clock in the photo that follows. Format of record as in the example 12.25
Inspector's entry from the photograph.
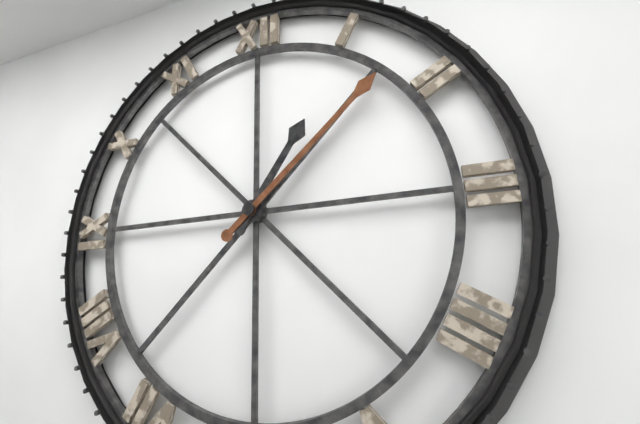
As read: 1.08
